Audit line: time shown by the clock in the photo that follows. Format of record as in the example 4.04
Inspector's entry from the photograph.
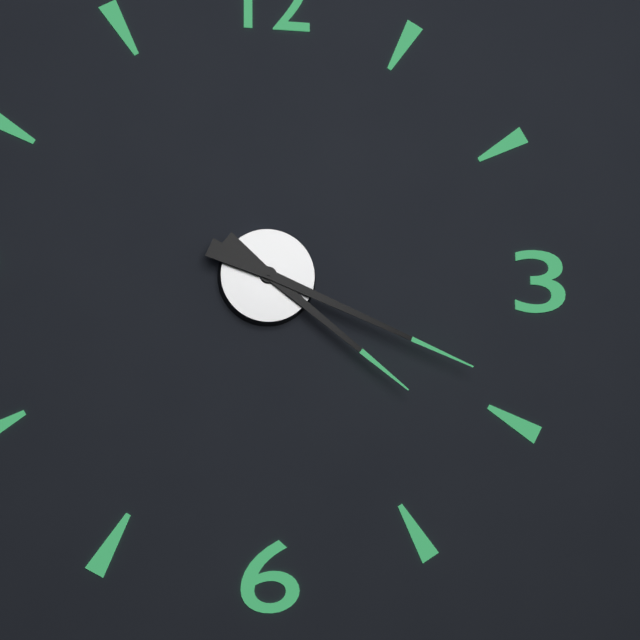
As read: 4.19
